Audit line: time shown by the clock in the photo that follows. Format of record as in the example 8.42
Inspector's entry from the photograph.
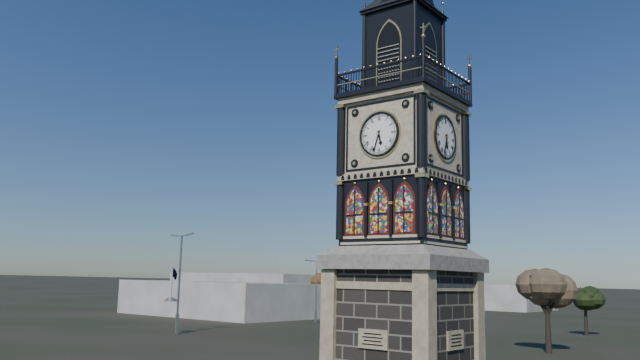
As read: 5.33
